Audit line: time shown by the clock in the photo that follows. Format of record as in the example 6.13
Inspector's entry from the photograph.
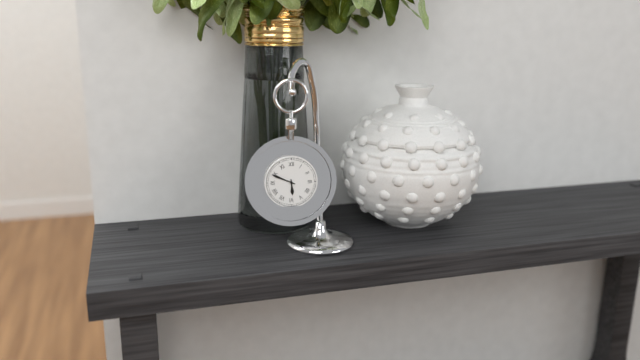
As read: 5.49
